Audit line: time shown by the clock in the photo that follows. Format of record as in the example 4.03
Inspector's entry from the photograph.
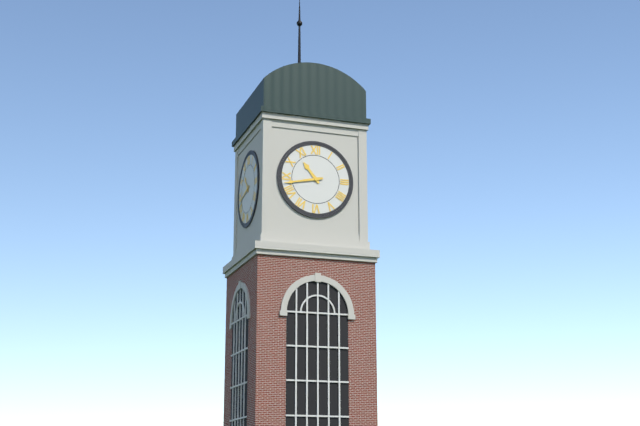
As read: 10.43
